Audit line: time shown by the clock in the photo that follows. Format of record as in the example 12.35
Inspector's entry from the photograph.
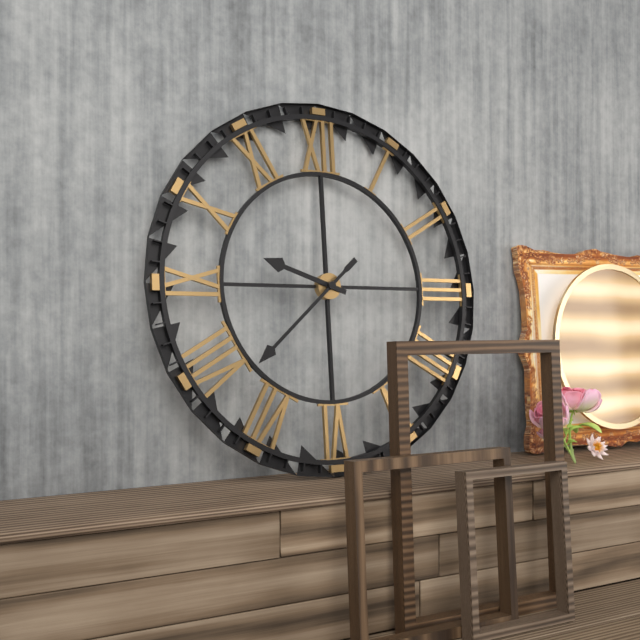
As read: 9.38
